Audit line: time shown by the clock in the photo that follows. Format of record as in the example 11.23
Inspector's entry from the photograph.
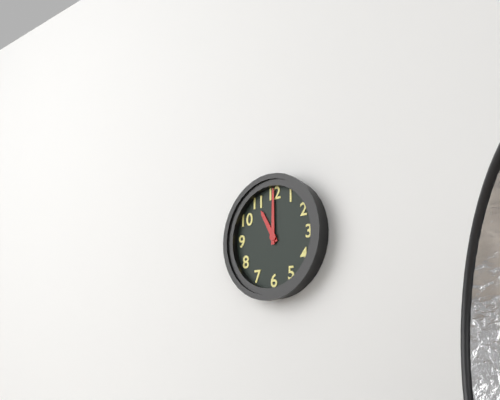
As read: 11.00
